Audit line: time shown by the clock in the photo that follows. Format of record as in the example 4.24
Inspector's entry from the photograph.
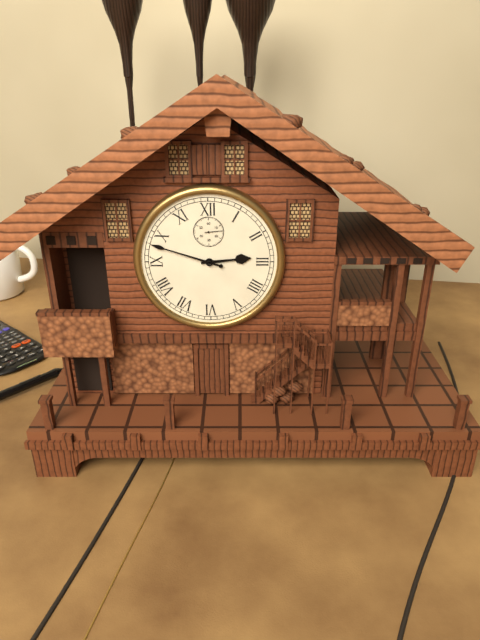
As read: 2.48
